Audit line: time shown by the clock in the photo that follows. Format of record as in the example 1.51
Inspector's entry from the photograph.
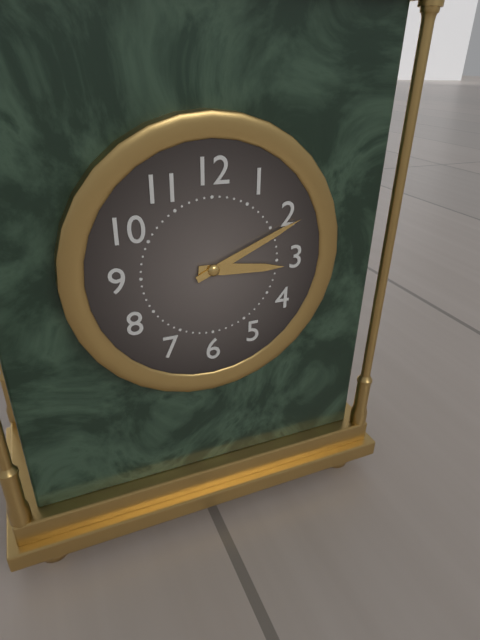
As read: 3.11
